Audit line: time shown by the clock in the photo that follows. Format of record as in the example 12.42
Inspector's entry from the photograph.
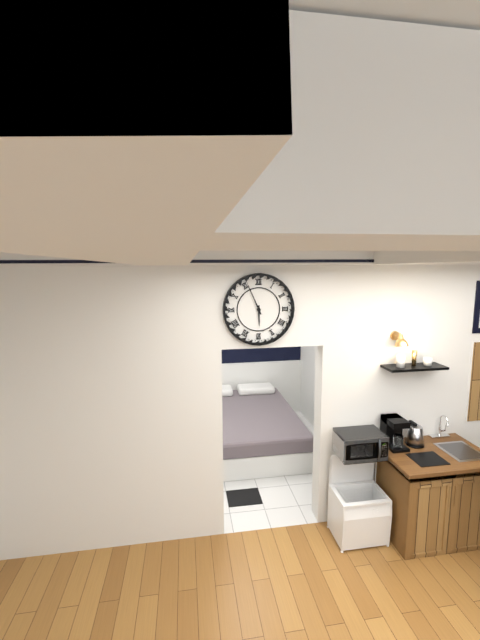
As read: 5.56
